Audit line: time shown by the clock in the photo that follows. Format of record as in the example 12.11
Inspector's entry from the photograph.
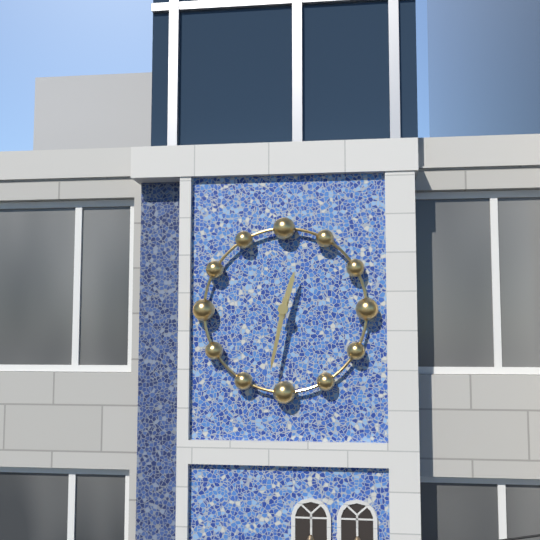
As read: 12.32
